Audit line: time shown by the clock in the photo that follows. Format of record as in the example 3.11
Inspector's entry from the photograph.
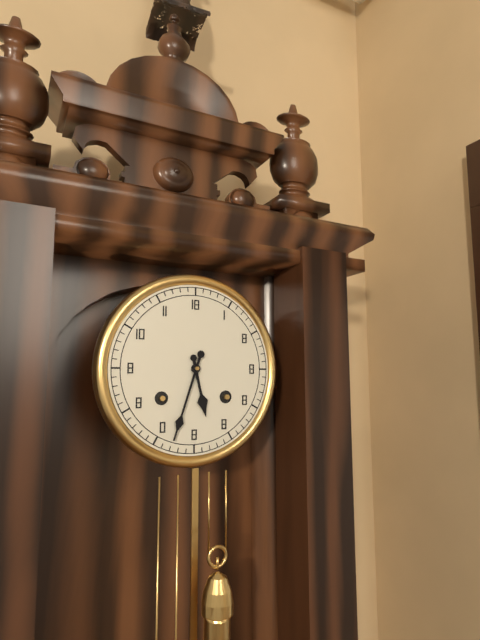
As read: 5.33
